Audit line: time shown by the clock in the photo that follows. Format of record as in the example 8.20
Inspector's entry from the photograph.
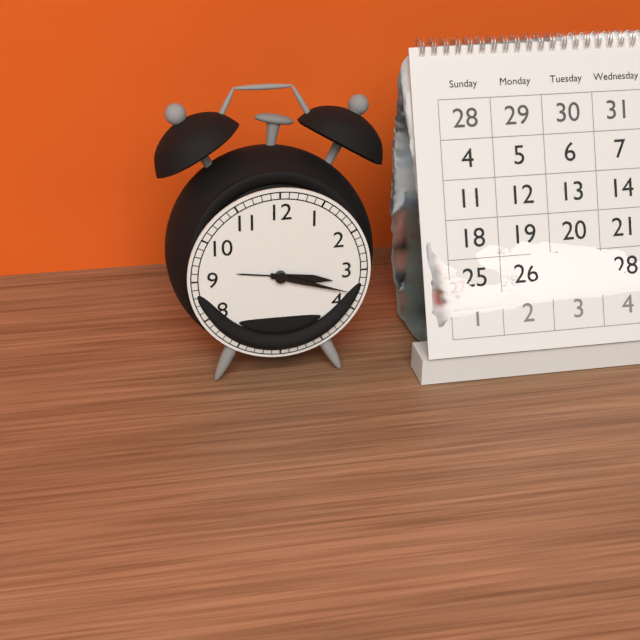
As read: 3.18
